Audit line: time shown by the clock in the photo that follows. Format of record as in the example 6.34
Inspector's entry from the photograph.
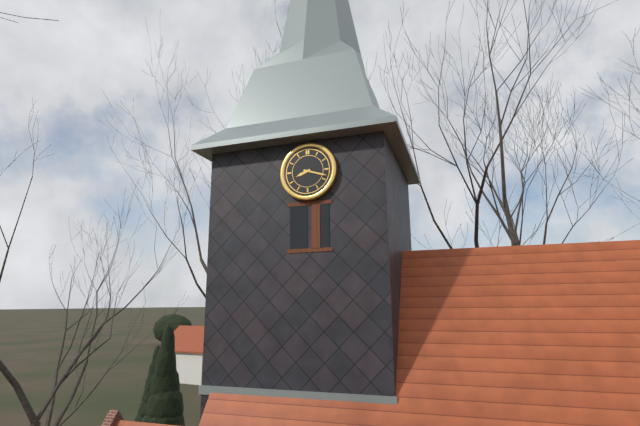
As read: 8.18
